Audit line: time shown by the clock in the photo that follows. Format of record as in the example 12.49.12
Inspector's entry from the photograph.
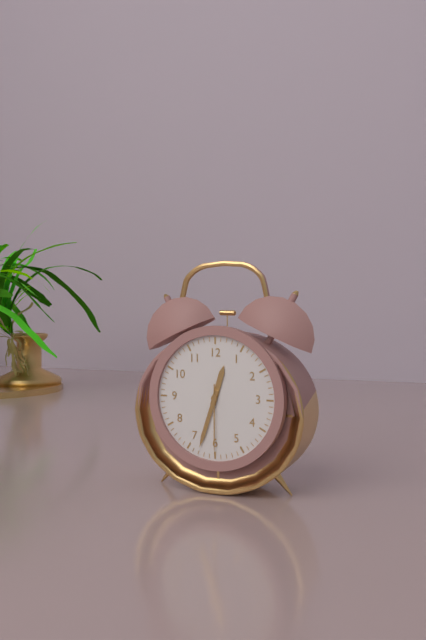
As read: 12.33.30
